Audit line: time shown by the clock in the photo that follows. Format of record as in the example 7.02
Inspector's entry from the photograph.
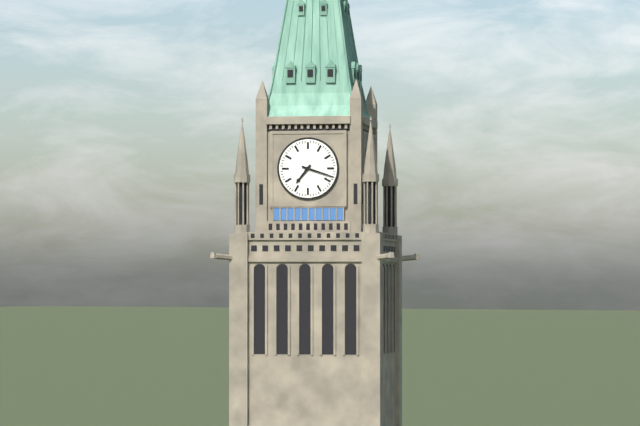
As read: 7.18
